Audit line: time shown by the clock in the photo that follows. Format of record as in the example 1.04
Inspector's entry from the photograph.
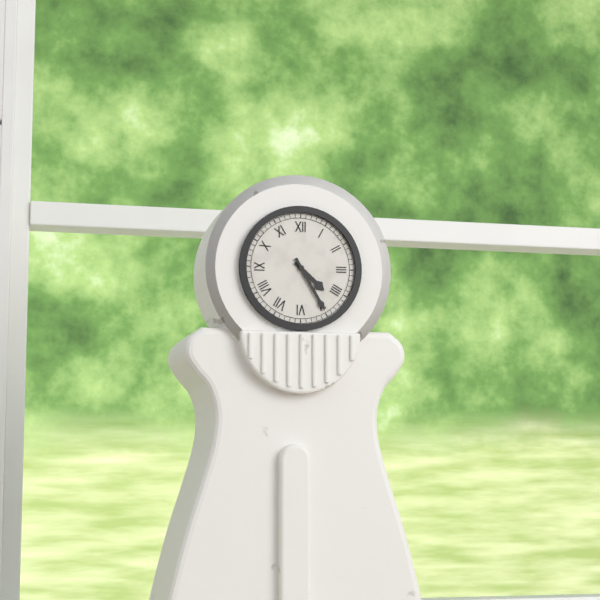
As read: 4.25
